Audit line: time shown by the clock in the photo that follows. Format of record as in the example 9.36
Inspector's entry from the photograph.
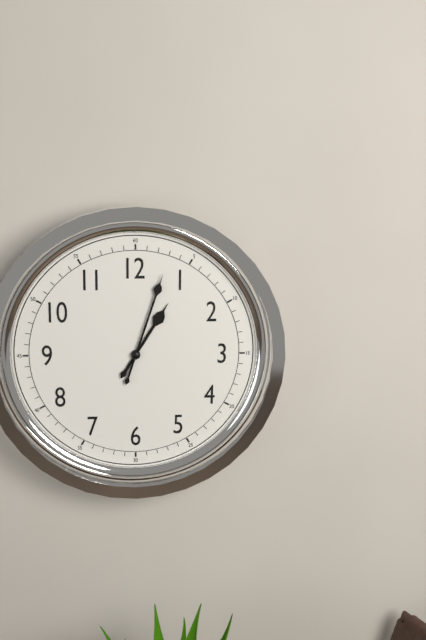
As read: 1.03
